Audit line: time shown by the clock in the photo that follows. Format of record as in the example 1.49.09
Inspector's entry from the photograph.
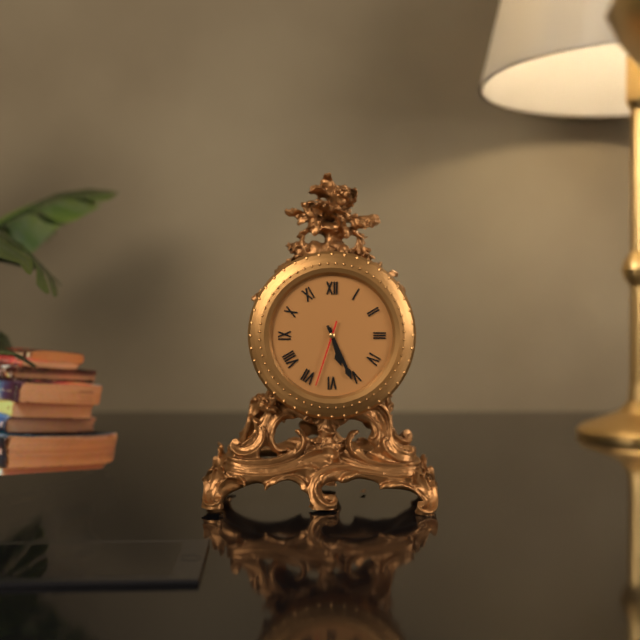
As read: 5.26.33
